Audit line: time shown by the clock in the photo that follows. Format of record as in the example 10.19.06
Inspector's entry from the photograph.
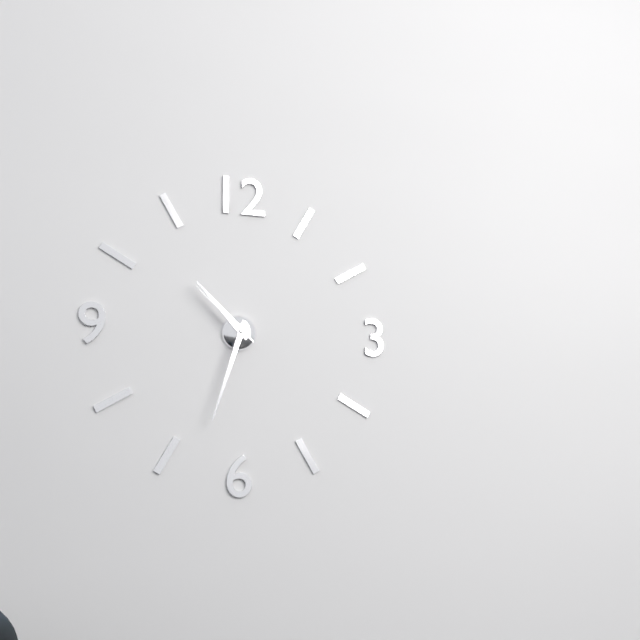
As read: 10.33.52
